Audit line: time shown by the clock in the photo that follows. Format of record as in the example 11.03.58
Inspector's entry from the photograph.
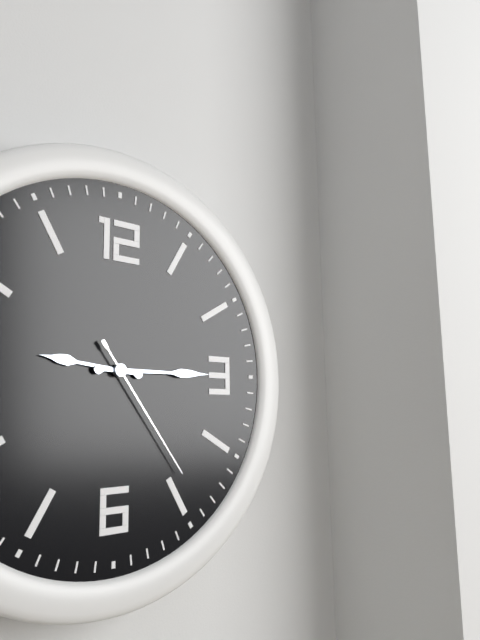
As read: 9.15.24
